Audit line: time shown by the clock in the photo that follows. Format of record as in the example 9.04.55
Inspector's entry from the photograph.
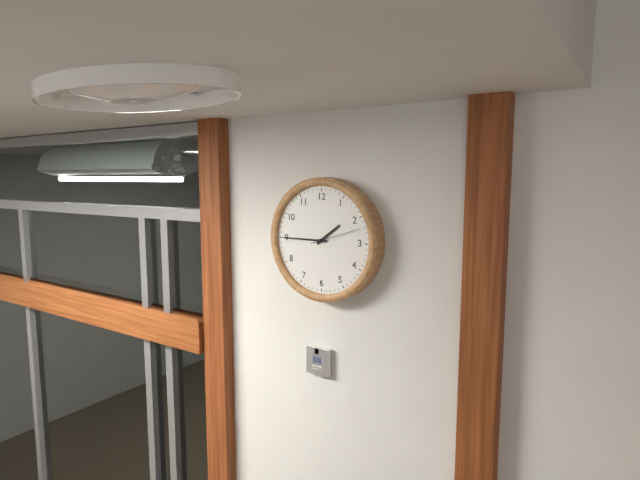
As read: 1.45.12
